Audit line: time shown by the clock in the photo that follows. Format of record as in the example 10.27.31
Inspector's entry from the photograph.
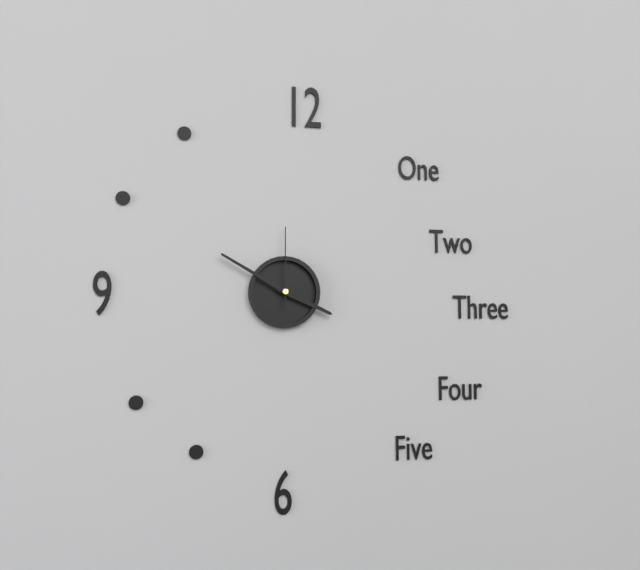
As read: 3.50.00
